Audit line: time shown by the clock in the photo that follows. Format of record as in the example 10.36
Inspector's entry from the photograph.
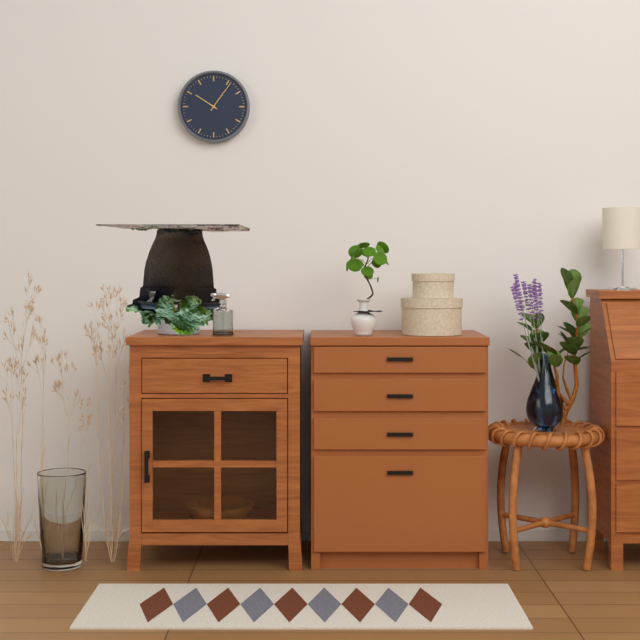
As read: 10.06
